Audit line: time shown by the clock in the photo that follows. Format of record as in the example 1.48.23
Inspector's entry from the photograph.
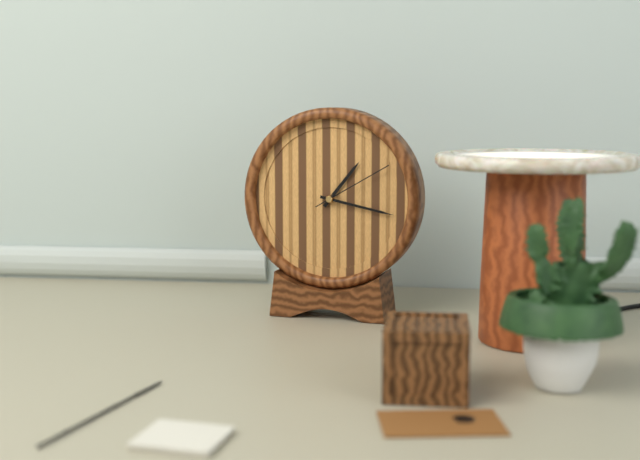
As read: 1.17.10
